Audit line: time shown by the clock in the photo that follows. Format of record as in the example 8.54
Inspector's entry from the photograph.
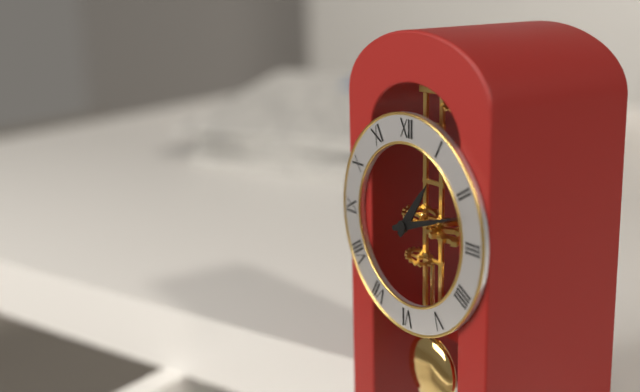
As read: 1.12
